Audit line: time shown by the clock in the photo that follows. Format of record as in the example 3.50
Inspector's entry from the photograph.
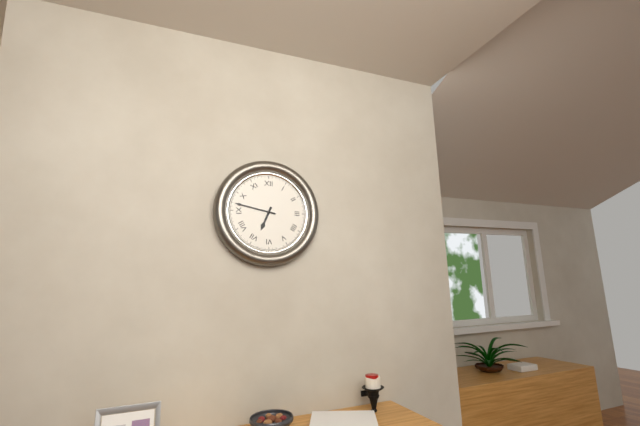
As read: 6.47
